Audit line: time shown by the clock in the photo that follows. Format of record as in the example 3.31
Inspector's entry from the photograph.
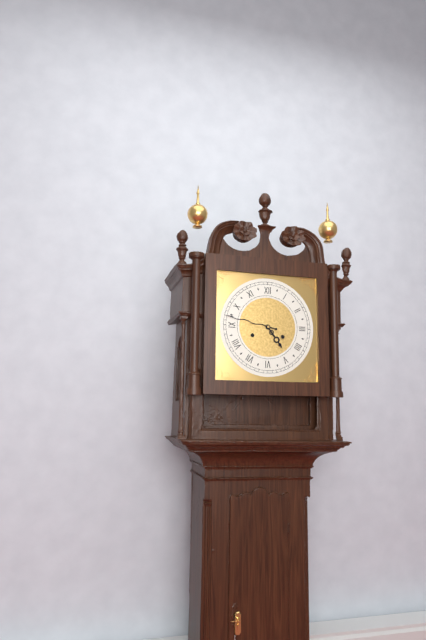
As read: 4.47
